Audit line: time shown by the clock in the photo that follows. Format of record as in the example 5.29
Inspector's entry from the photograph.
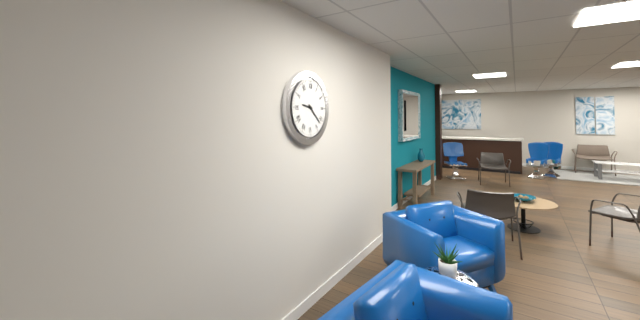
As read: 9.22
